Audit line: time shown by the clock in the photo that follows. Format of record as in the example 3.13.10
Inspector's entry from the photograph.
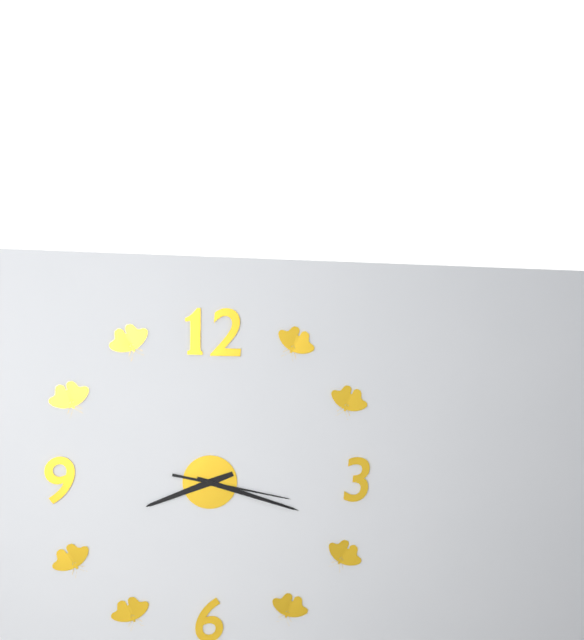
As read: 8.18.17
